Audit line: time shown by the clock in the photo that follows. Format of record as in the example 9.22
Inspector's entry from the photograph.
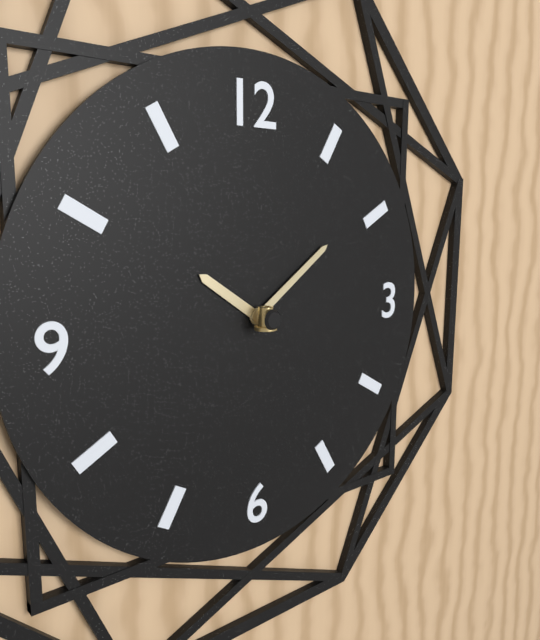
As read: 10.09
